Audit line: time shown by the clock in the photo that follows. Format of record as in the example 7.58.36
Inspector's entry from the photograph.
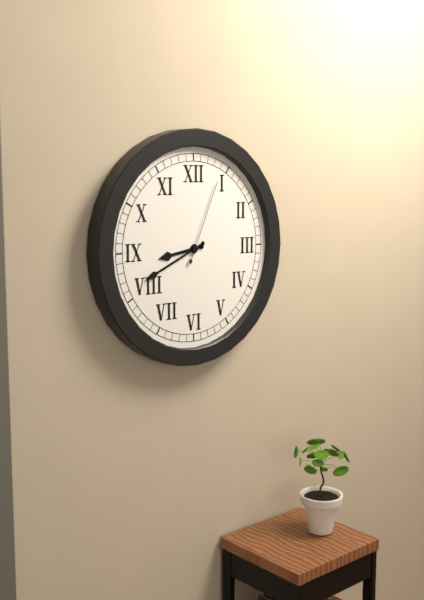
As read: 8.41.04
